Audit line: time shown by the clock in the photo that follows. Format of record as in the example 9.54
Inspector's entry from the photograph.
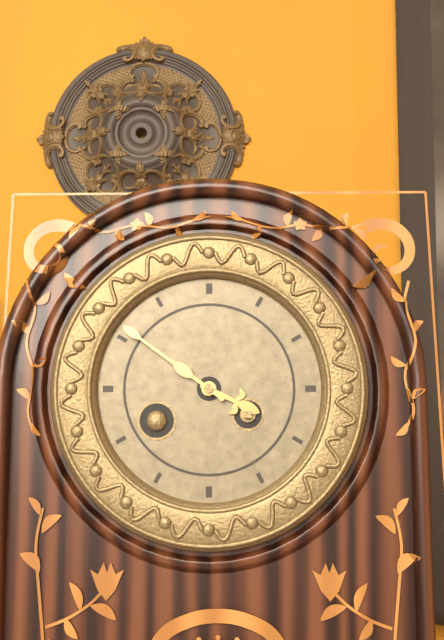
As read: 3.51
